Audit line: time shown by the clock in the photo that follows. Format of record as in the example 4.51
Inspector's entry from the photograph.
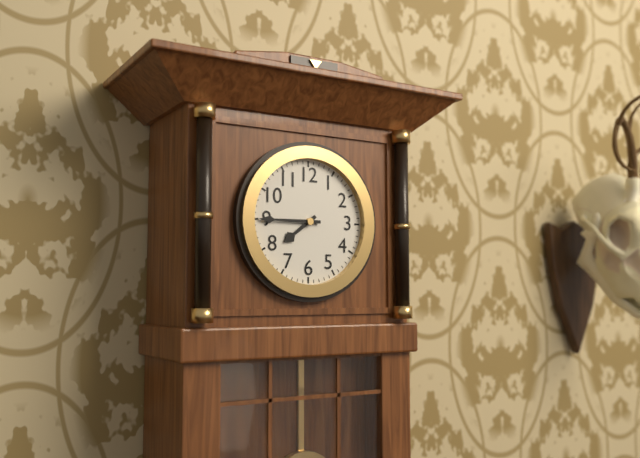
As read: 7.45
